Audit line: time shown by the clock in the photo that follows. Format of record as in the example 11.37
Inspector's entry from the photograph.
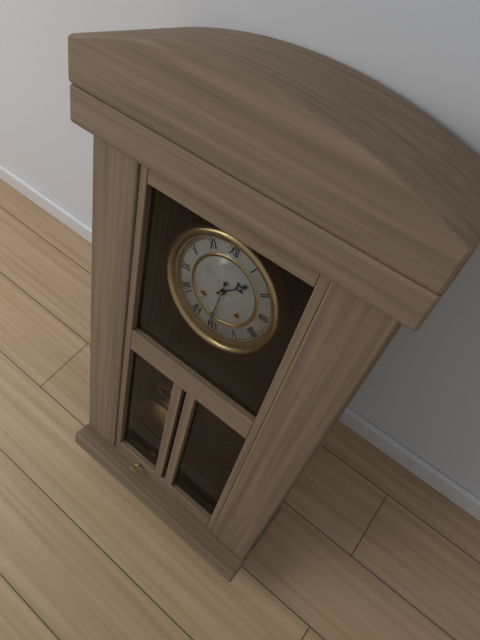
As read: 1.31
